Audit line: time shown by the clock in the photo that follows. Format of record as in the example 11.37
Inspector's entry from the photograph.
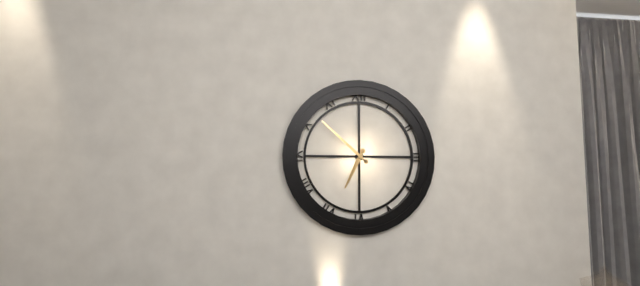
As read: 6.52
